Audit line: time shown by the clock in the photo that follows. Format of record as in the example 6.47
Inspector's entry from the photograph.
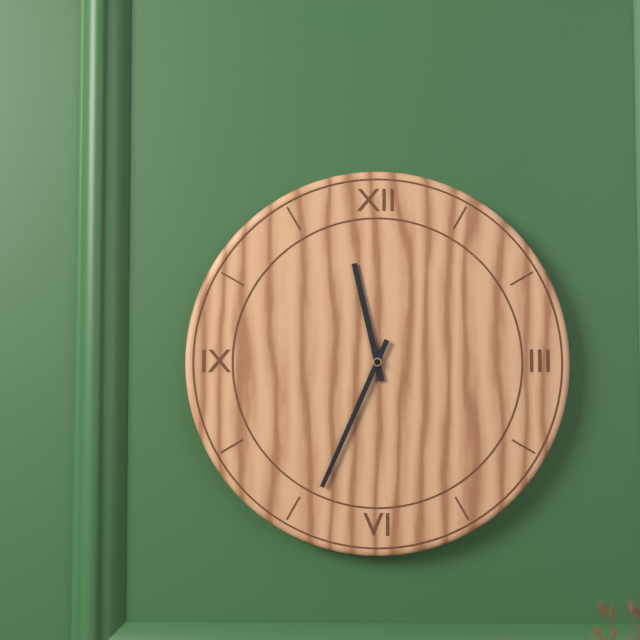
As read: 11.34
